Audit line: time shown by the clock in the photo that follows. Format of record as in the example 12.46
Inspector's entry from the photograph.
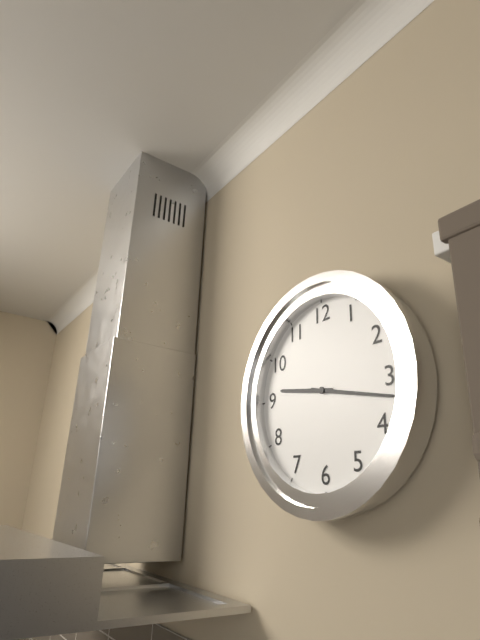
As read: 9.17
